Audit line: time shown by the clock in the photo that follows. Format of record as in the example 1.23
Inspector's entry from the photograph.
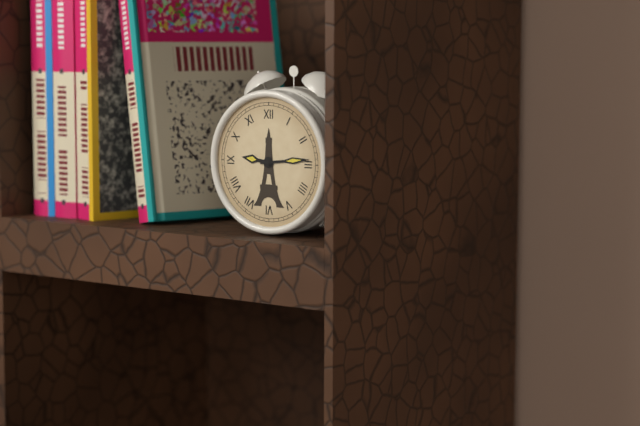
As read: 9.14
